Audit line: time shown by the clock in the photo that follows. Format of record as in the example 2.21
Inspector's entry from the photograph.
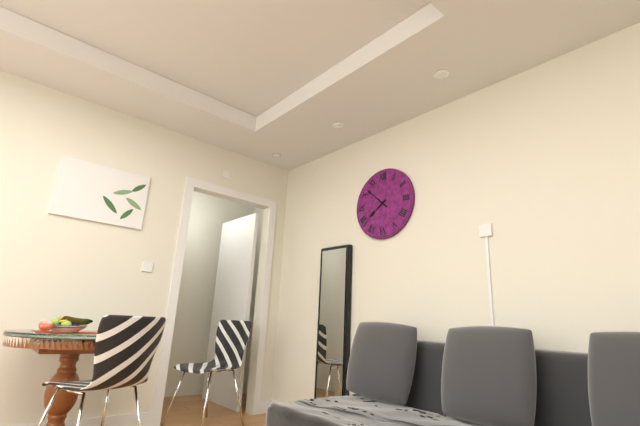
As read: 7.52
